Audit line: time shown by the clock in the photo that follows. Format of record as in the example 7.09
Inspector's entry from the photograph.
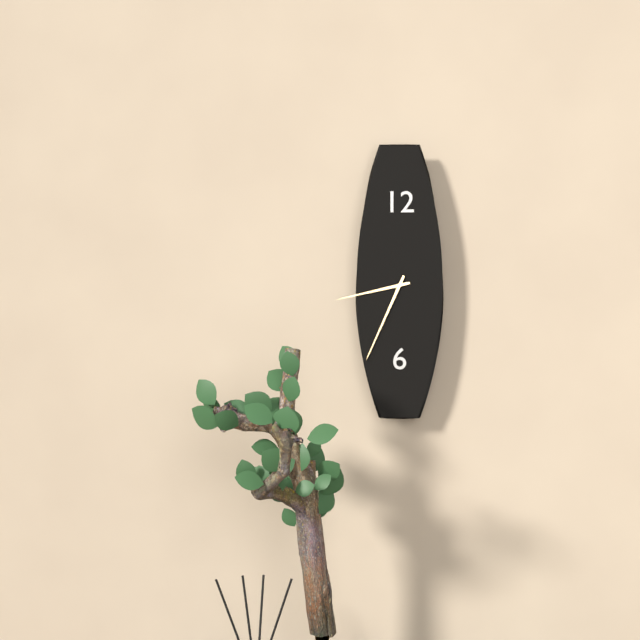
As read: 8.34
